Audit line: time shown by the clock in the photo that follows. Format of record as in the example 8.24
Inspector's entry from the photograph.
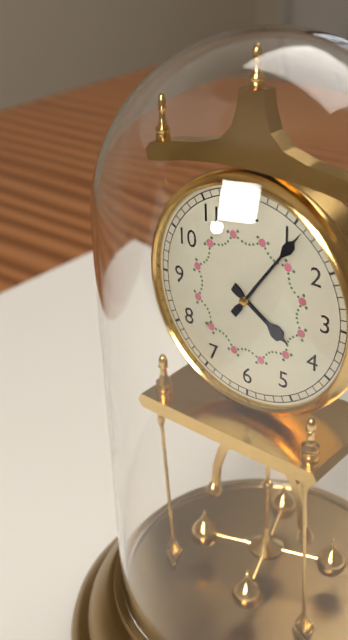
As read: 4.06
